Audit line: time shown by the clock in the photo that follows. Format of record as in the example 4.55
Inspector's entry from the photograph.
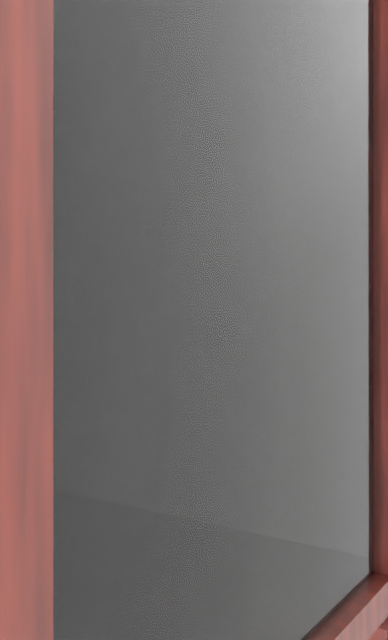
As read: 10.06
